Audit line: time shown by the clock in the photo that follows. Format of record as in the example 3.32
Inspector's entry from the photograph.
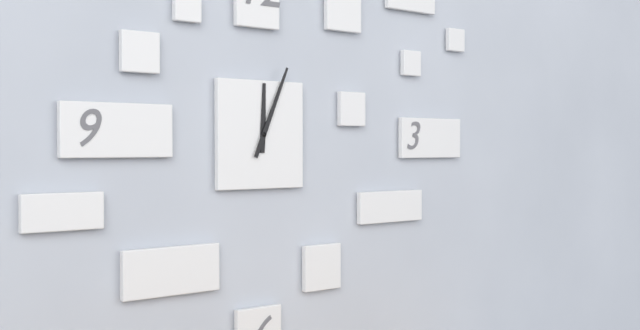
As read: 12.04
